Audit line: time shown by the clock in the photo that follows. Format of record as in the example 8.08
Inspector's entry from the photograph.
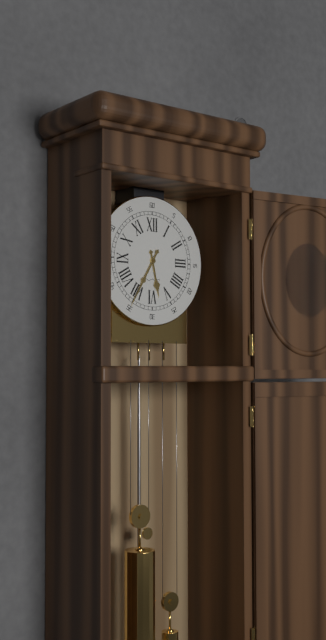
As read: 5.35
